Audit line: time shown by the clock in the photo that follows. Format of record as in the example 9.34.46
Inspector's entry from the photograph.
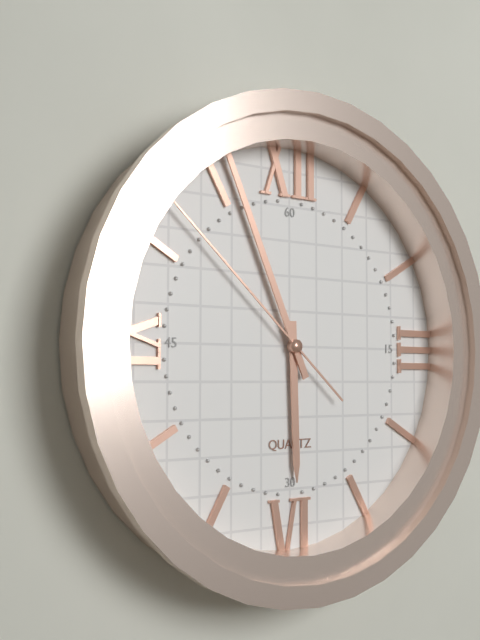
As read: 5.56.52
